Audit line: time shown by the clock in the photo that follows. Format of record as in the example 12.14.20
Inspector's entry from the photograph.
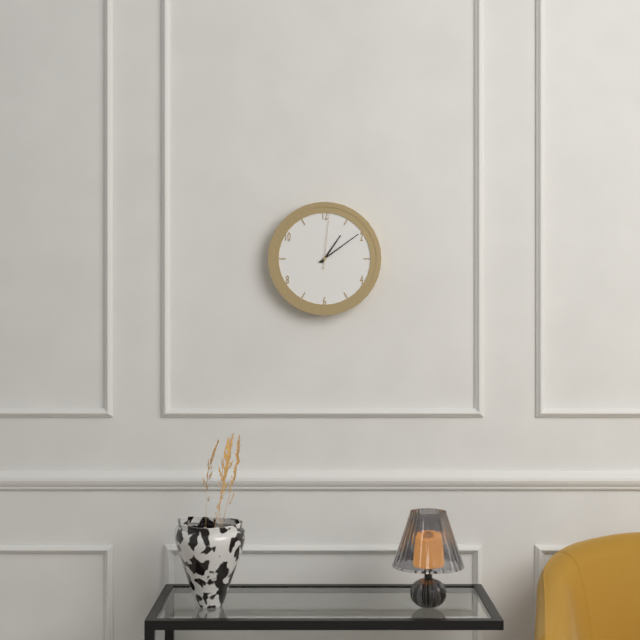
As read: 1.09.01
